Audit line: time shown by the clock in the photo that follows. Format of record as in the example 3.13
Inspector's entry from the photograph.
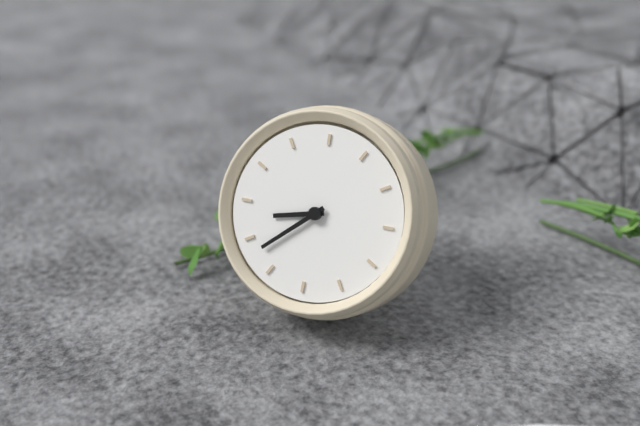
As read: 7.33
